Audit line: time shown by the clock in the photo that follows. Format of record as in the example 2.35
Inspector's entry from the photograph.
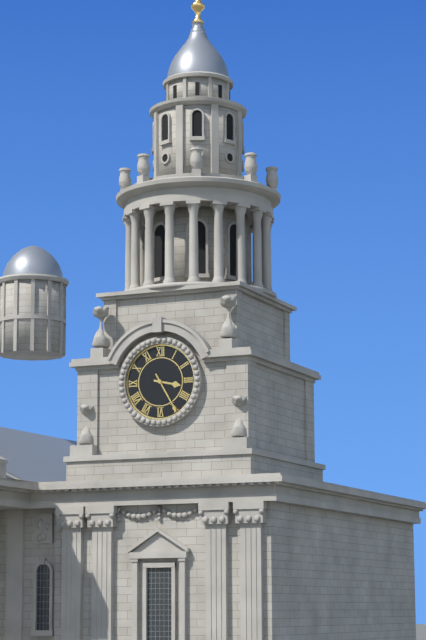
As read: 3.25
